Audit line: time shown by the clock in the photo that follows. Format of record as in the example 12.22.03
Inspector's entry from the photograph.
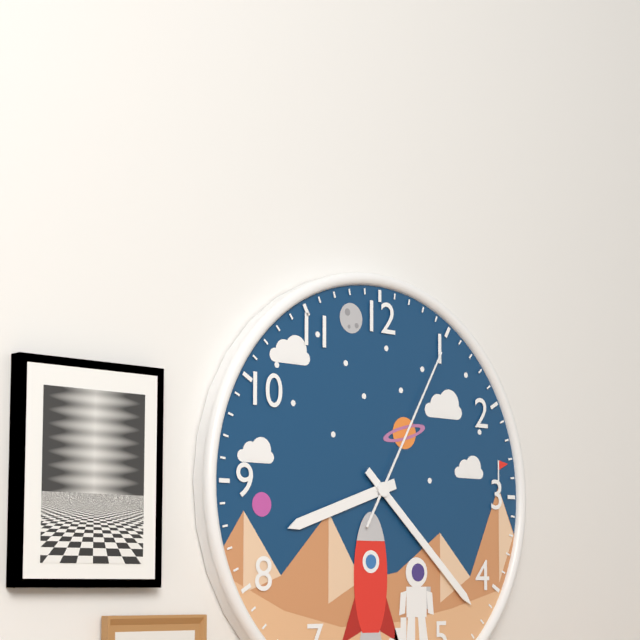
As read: 8.22.05
